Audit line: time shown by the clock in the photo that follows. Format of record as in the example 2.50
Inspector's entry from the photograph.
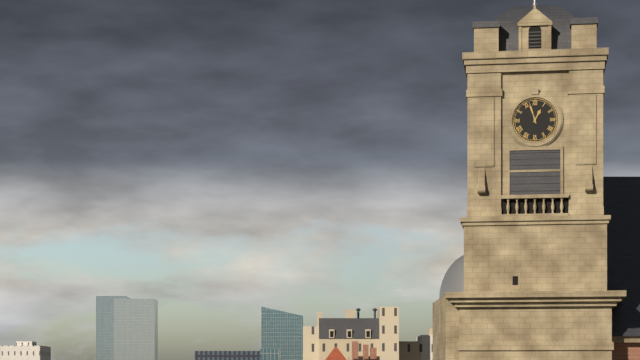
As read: 12.57
